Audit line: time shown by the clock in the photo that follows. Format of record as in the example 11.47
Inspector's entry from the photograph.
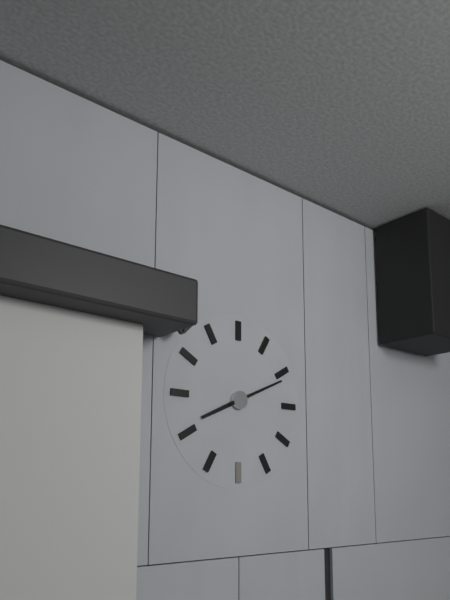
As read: 8.11
